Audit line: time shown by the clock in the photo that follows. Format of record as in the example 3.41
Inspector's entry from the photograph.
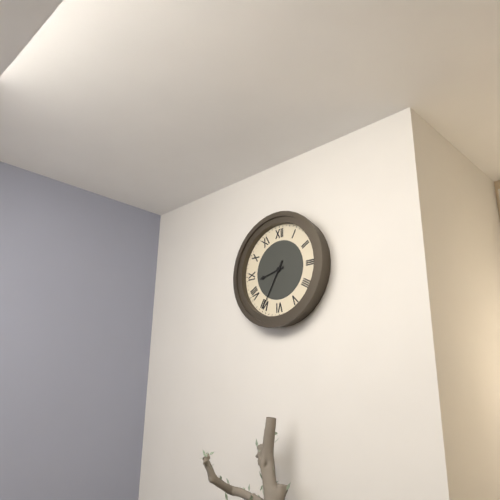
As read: 8.35
